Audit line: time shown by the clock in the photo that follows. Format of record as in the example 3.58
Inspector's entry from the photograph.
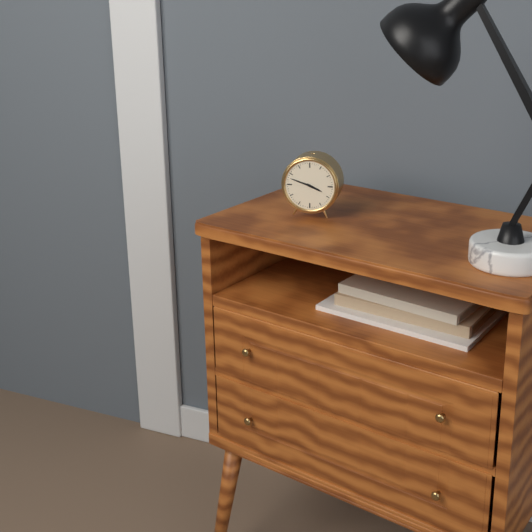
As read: 3.48
